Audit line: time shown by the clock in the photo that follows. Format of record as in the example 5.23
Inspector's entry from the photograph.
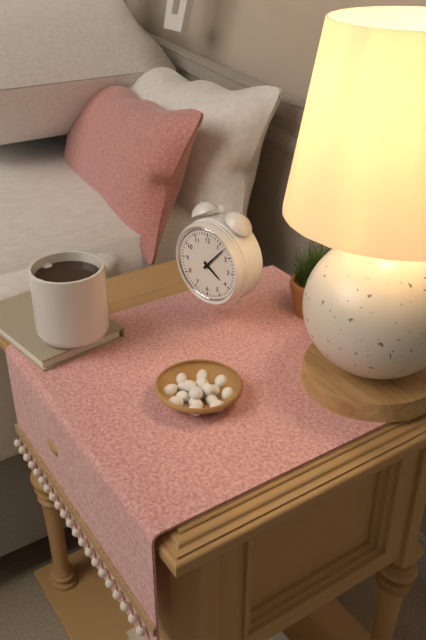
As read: 4.07
